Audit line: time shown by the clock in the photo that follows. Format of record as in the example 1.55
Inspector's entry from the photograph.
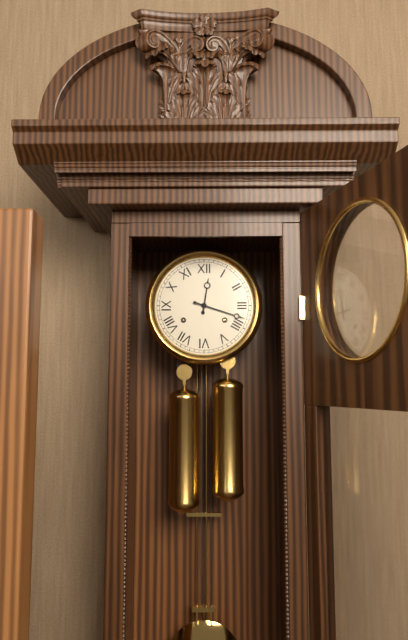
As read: 12.18
